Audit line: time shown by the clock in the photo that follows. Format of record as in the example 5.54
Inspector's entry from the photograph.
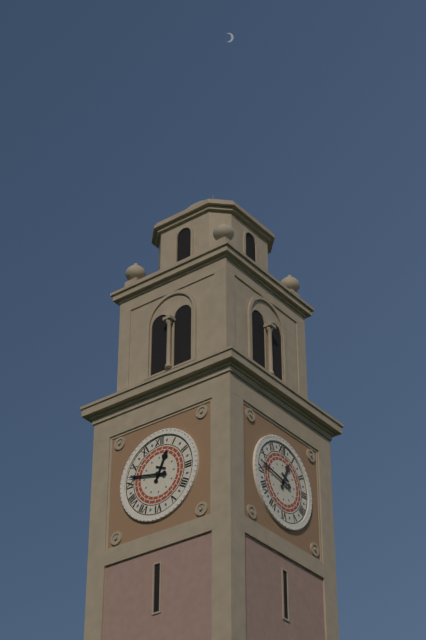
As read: 12.47
